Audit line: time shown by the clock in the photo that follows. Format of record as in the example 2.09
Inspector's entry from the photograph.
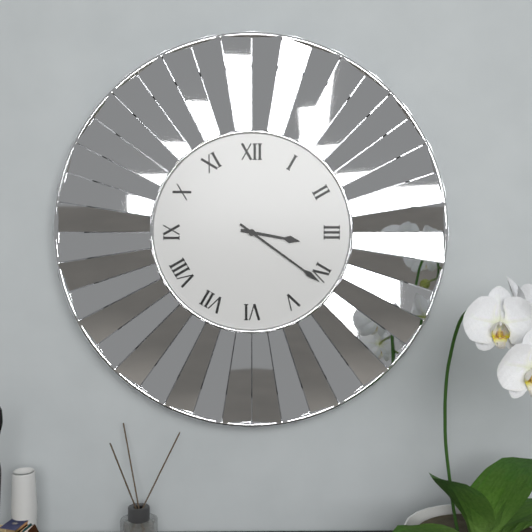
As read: 3.21
